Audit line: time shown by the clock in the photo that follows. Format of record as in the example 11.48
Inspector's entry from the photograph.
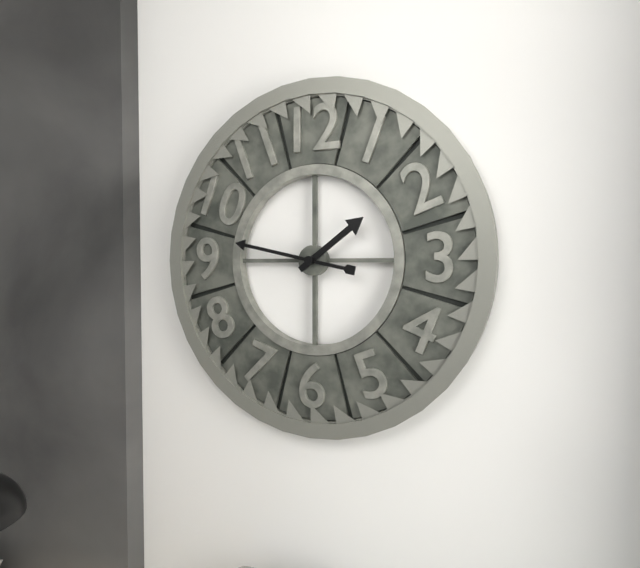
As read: 1.47
